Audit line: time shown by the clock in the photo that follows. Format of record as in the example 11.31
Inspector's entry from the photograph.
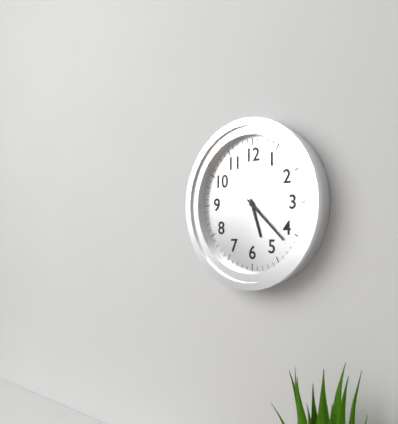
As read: 5.22
